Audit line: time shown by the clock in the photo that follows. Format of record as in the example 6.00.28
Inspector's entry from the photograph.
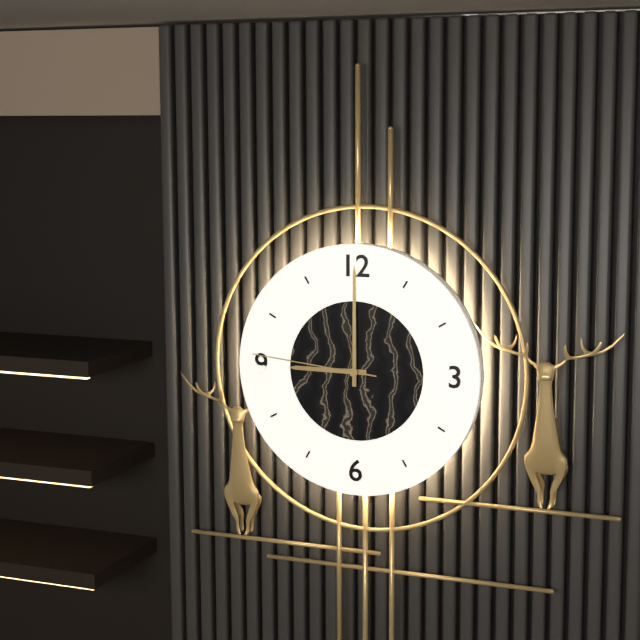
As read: 9.00.46
